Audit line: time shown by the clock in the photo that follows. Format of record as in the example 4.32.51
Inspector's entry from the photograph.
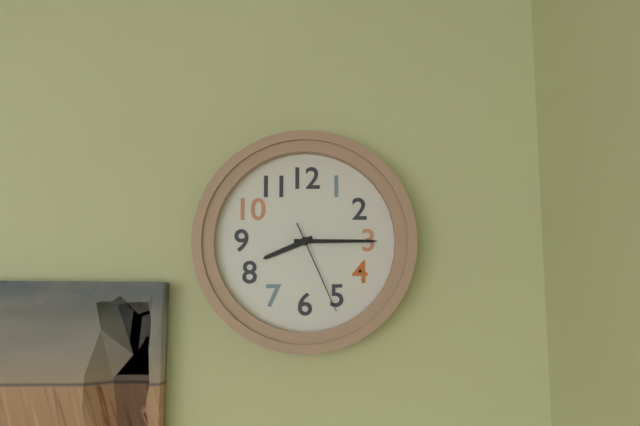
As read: 8.15.26
